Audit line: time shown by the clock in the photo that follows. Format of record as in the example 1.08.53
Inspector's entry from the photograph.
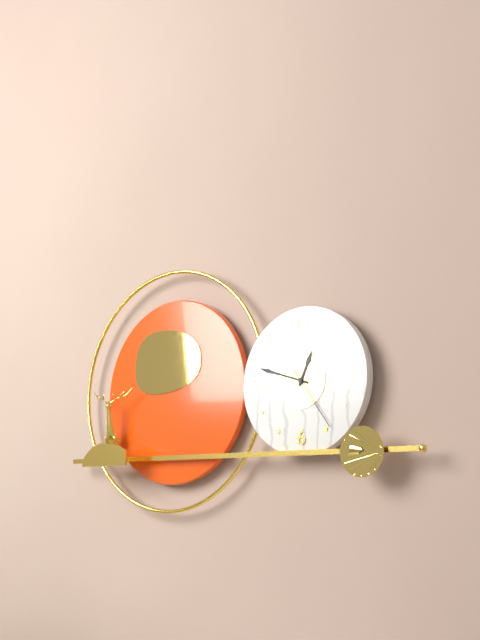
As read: 12.48.24
